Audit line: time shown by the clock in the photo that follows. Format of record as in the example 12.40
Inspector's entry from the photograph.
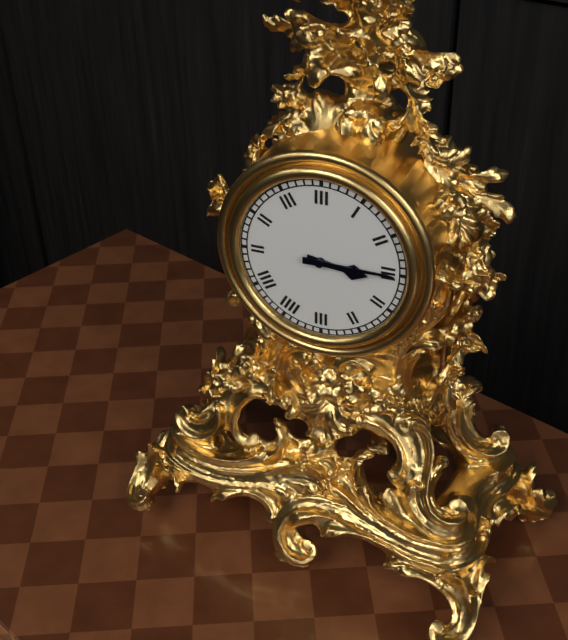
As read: 3.15
